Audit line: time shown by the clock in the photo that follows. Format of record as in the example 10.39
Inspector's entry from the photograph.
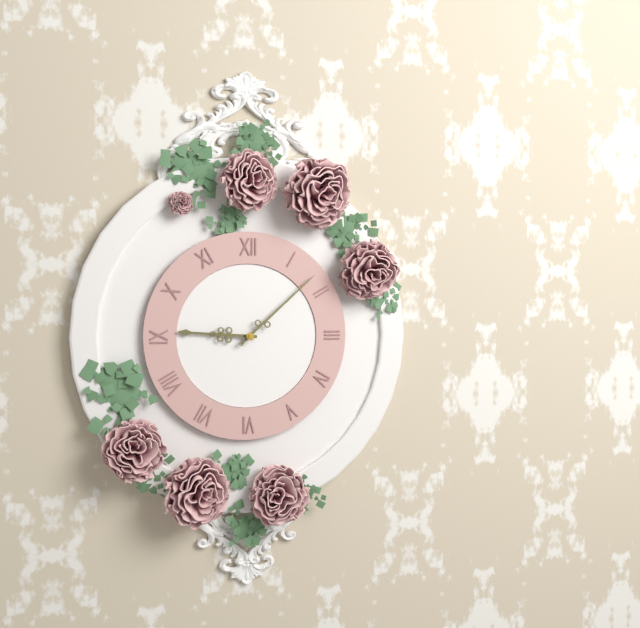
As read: 9.08
